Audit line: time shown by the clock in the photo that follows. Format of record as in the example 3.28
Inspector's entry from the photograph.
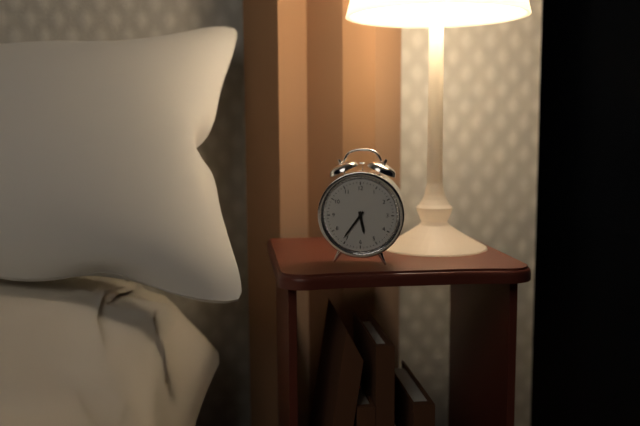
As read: 5.36
